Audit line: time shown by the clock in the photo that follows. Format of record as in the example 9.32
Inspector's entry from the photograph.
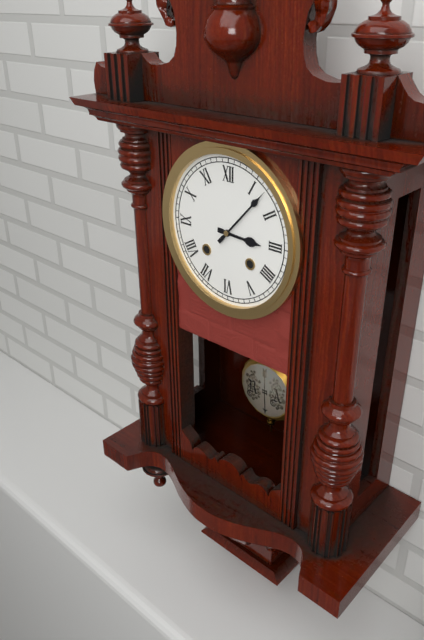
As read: 3.07
